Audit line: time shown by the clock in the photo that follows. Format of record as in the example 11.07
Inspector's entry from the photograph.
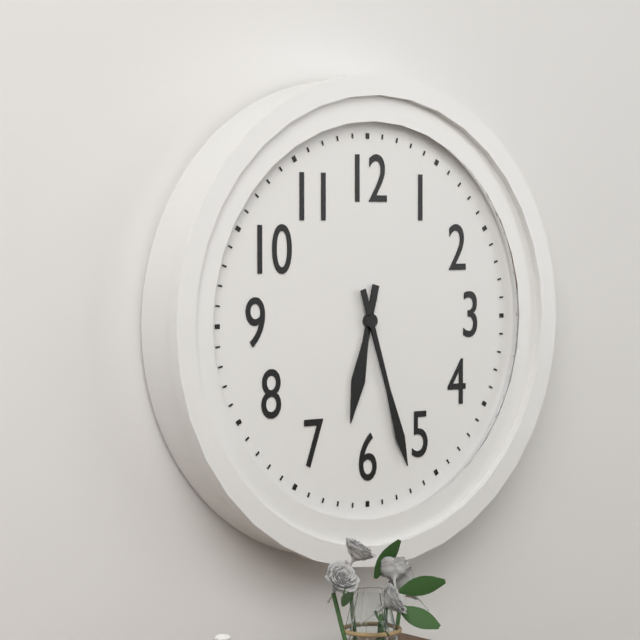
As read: 6.27
